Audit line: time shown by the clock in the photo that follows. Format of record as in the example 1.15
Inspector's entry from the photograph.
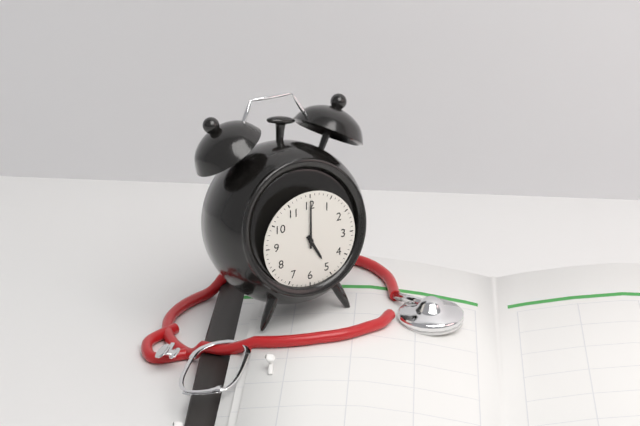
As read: 5.00
